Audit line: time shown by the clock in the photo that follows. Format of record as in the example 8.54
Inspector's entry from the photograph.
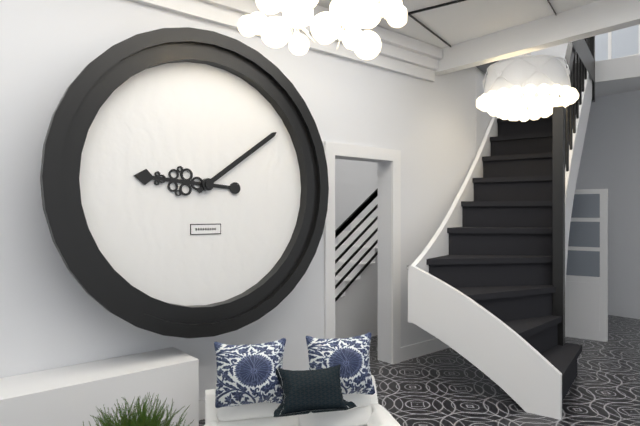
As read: 9.09
